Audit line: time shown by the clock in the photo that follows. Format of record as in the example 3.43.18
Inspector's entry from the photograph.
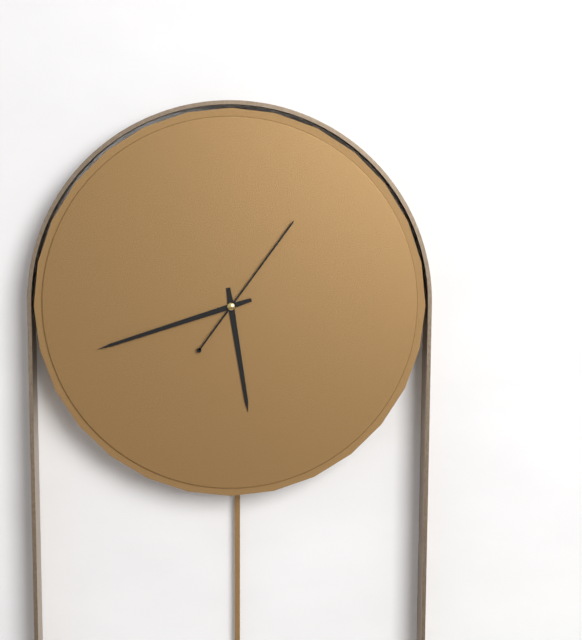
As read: 5.42.06
